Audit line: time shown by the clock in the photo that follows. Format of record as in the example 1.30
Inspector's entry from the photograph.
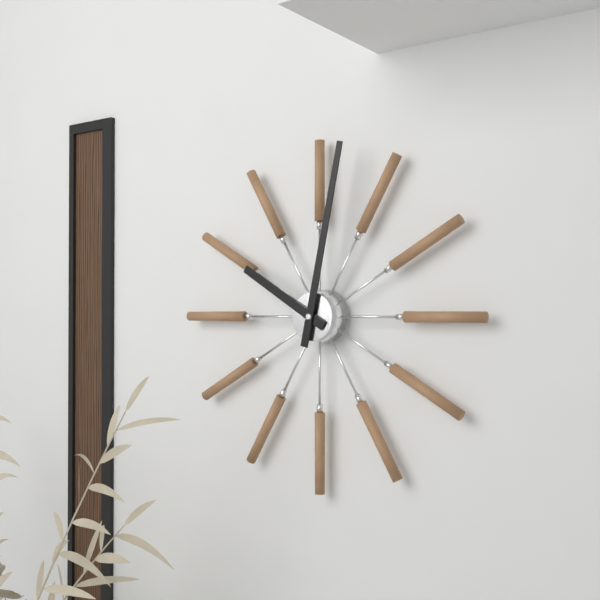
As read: 10.02
